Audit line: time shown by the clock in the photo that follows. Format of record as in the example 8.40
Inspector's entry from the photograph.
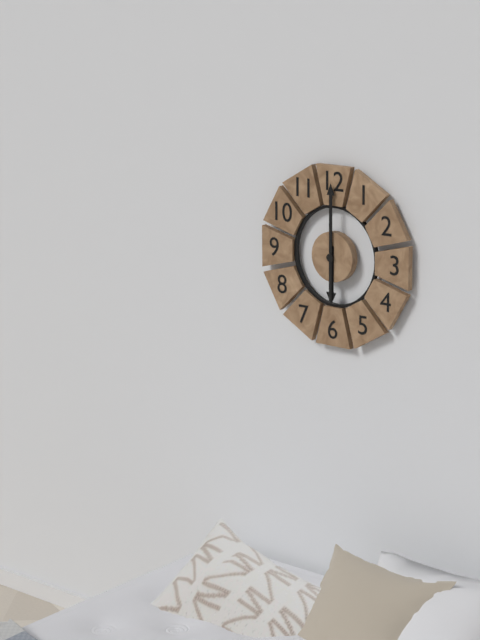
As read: 6.00
